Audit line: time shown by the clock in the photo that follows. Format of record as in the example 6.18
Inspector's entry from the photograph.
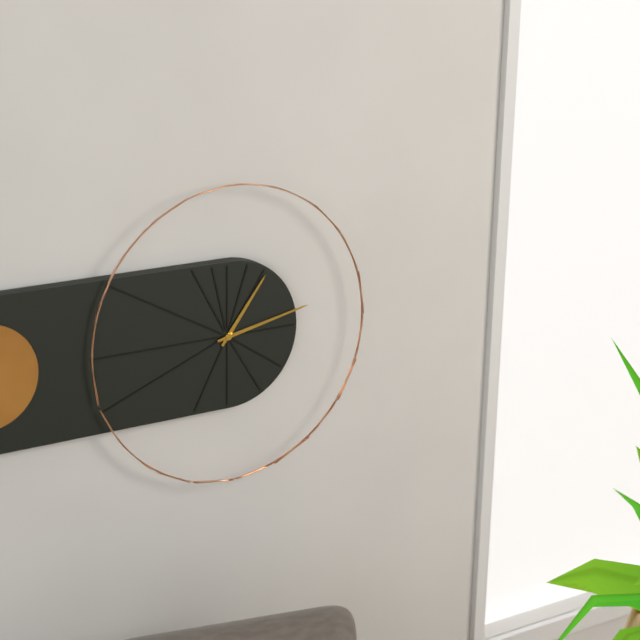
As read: 1.13
